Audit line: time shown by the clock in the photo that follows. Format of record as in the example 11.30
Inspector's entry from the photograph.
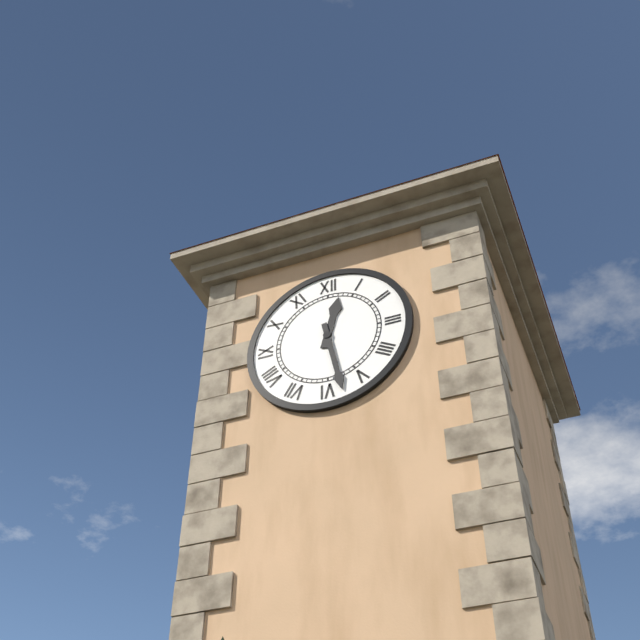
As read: 12.28
